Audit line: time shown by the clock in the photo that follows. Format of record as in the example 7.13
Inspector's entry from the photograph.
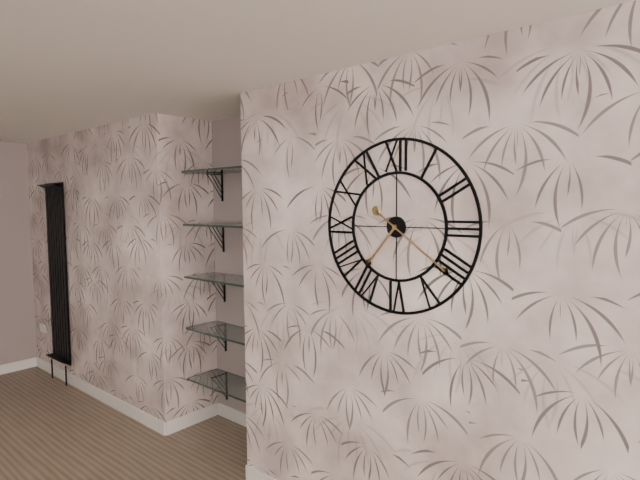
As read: 7.21
